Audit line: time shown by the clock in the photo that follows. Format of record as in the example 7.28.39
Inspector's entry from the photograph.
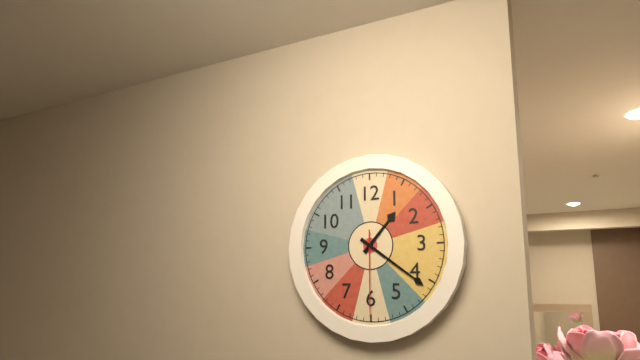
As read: 1.21.30
